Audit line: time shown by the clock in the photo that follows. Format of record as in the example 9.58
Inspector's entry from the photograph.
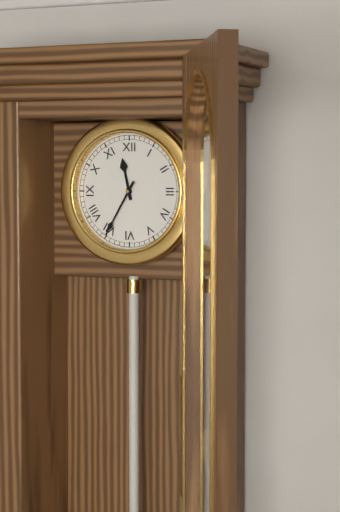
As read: 11.35
